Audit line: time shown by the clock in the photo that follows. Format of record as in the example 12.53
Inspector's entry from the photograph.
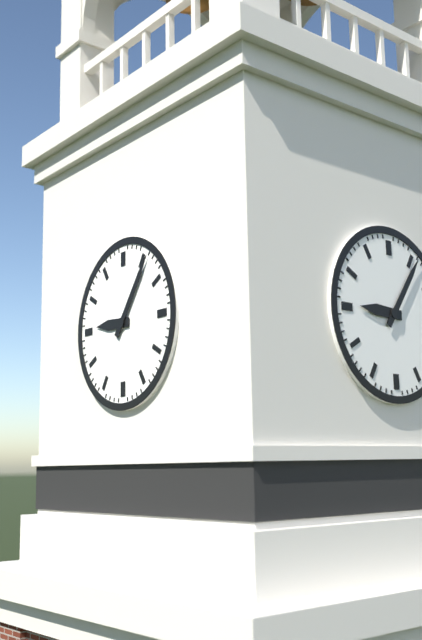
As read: 9.06
